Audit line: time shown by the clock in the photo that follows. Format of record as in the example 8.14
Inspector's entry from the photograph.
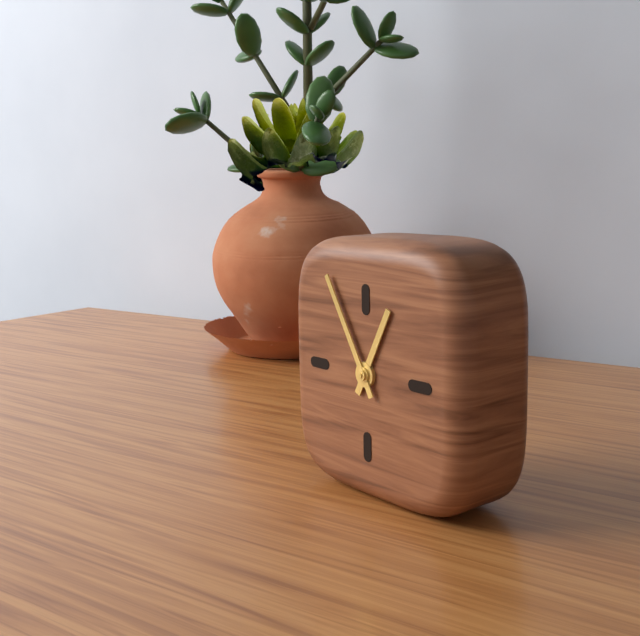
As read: 12.55
